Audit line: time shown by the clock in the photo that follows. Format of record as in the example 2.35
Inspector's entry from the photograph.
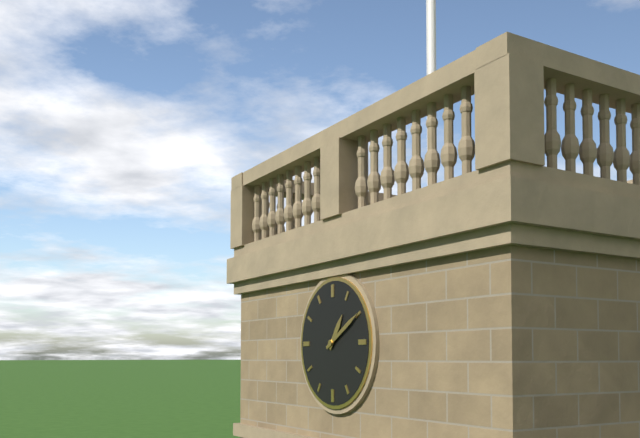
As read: 1.10
